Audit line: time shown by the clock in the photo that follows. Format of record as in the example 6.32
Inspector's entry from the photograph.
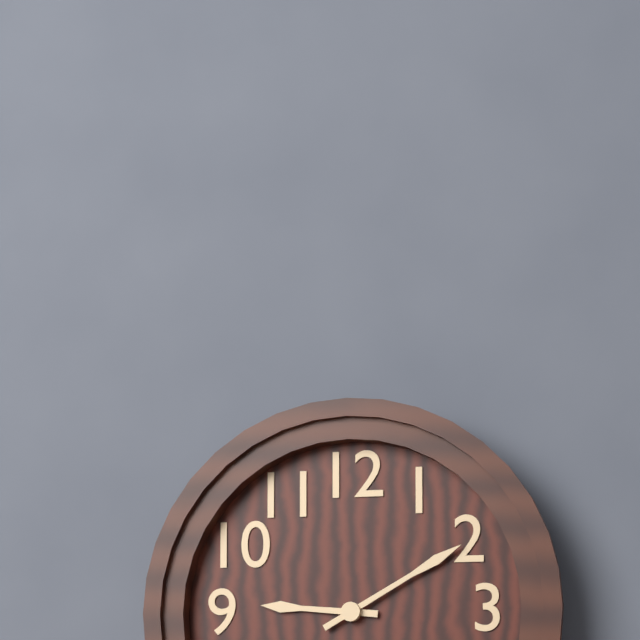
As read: 9.10
